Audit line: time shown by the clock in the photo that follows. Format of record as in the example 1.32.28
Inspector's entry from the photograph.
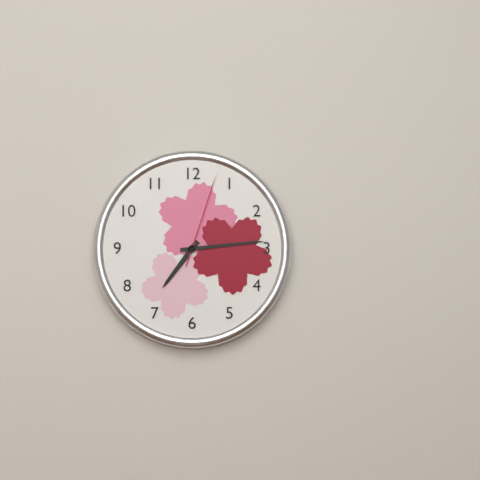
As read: 7.14.03
